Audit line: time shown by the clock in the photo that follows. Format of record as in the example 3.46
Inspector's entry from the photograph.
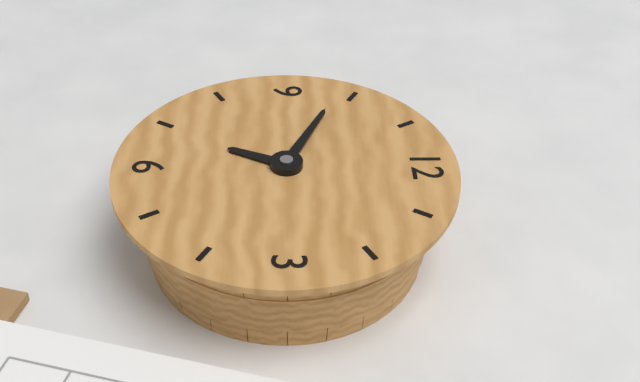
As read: 6.49
